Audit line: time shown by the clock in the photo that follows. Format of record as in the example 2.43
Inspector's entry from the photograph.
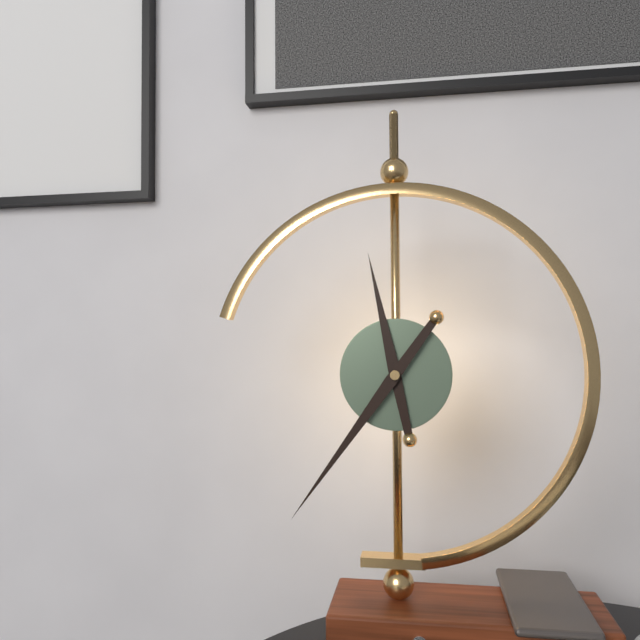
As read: 11.36
